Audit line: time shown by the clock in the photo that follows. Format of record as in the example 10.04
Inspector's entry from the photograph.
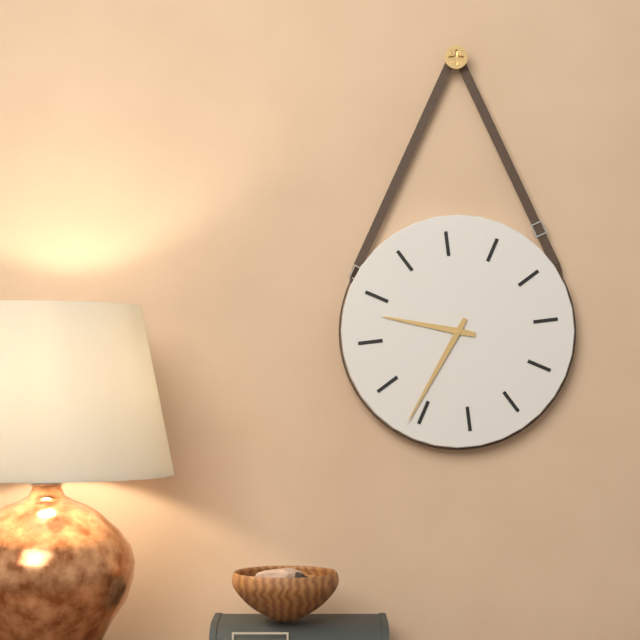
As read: 9.36
